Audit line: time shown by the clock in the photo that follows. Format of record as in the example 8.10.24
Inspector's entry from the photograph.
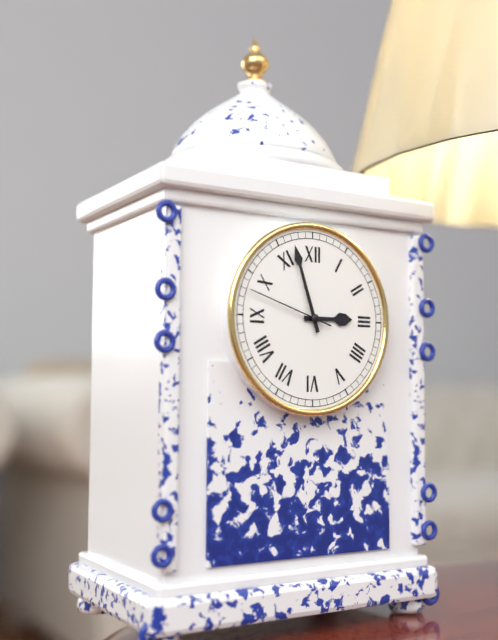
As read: 2.57.48
